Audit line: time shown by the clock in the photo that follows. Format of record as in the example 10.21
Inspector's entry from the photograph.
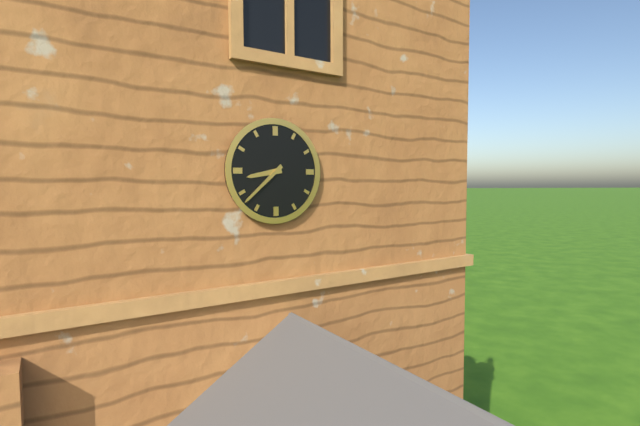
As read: 8.38
